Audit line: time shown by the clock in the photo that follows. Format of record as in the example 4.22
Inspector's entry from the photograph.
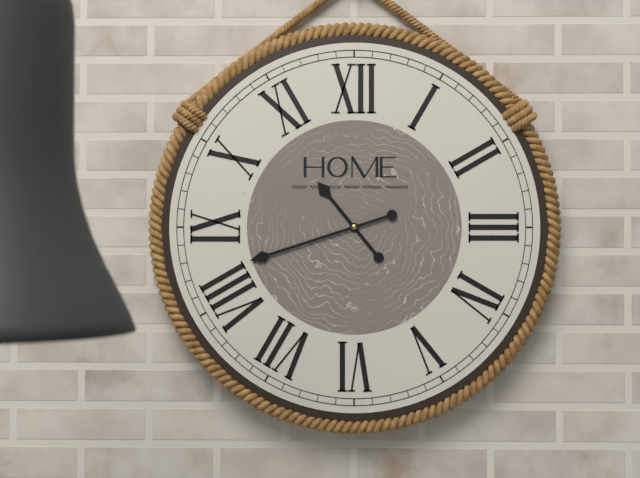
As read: 10.42
